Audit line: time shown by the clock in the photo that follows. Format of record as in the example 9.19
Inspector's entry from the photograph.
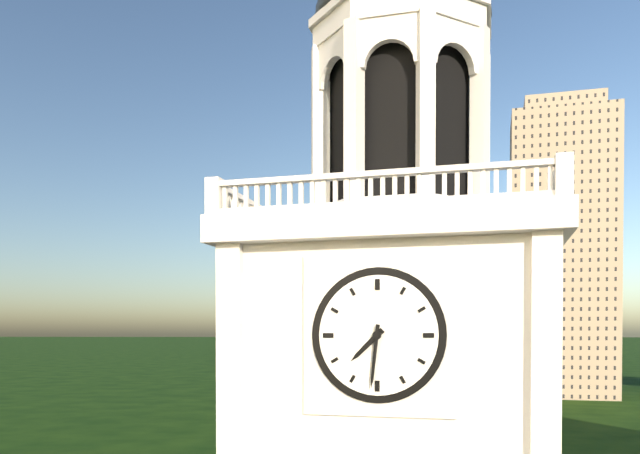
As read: 7.31
